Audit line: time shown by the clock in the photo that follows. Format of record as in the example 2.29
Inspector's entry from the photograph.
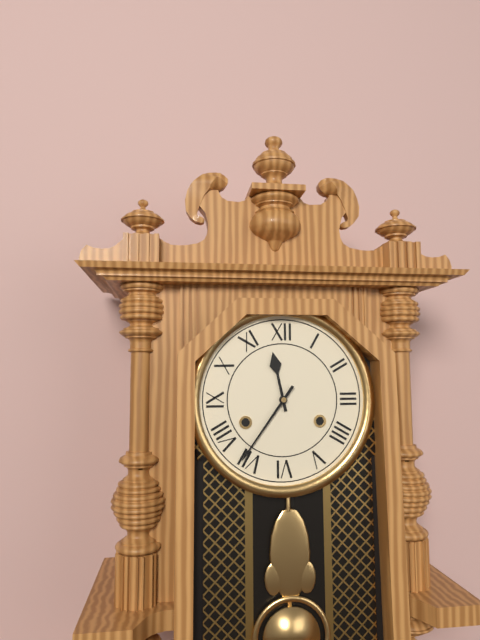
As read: 11.36
